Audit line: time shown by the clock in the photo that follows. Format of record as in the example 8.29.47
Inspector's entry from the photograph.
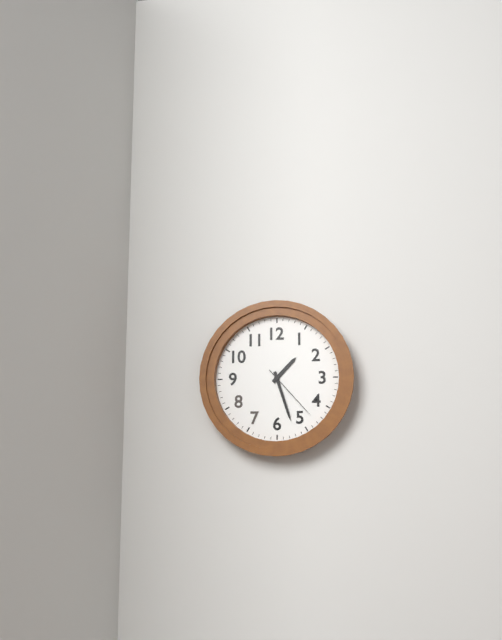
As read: 1.27.23
